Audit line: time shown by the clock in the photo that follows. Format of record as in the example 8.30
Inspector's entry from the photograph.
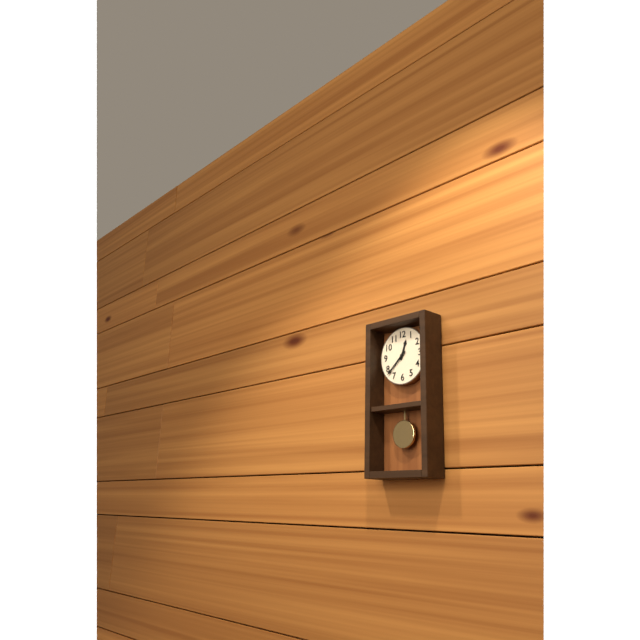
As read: 12.38
